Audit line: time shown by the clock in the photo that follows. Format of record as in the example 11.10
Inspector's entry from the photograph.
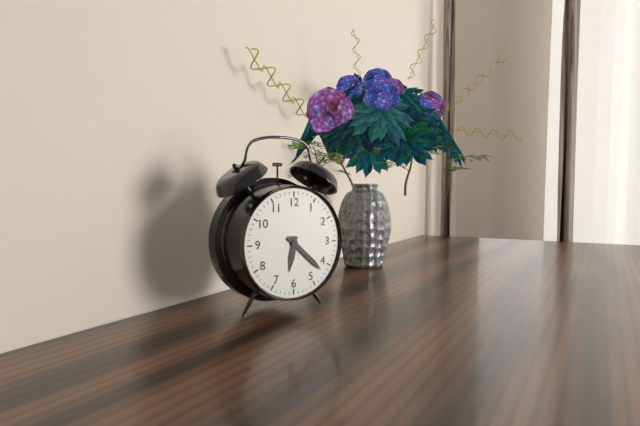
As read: 6.22
